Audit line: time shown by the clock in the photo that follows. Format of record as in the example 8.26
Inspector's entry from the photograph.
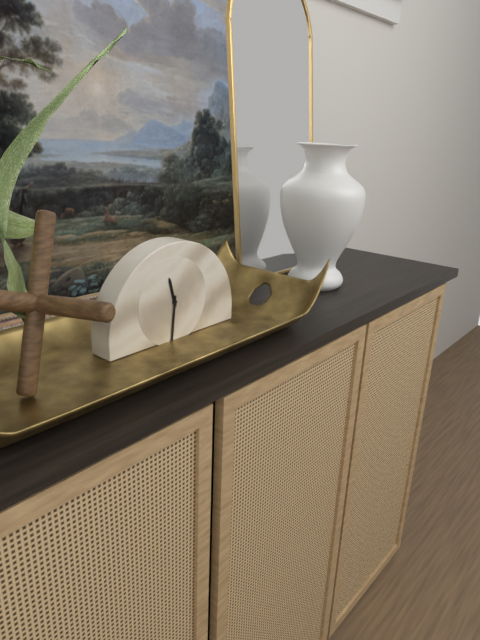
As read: 11.31
